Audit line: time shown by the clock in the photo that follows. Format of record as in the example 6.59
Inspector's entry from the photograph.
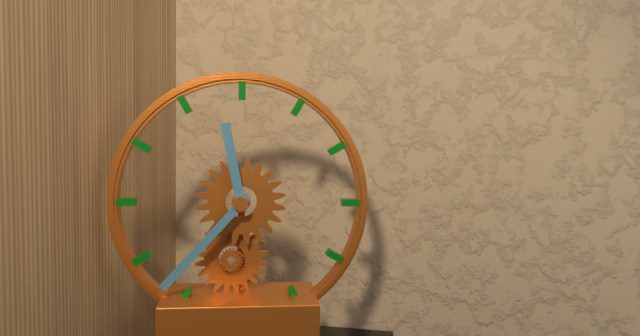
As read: 11.37
